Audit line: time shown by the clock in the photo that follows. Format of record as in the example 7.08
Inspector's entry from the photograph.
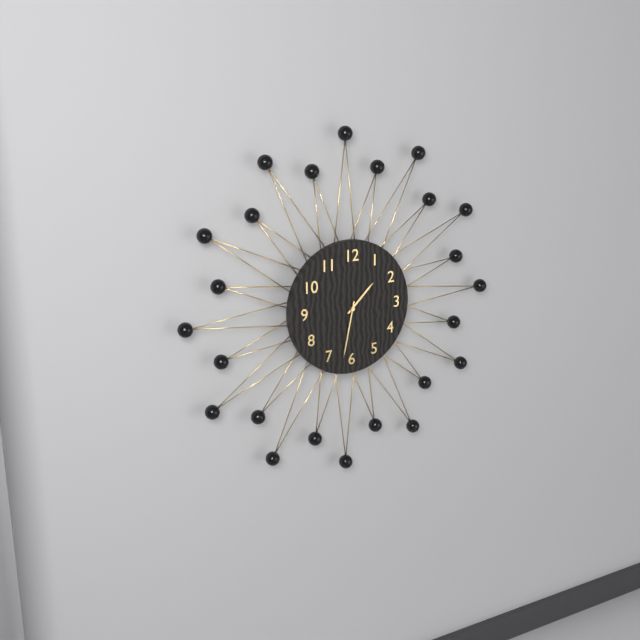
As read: 1.32
